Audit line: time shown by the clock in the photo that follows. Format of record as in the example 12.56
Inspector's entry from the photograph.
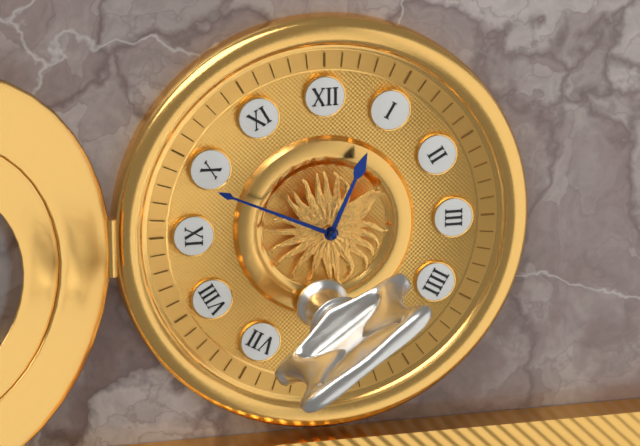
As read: 12.49
